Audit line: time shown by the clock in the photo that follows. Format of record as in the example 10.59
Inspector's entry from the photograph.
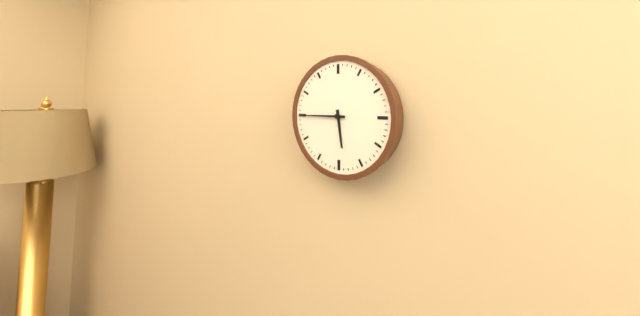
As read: 5.45
